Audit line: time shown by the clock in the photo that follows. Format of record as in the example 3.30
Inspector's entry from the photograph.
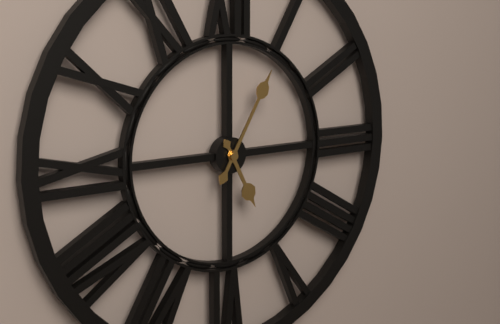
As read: 5.05
